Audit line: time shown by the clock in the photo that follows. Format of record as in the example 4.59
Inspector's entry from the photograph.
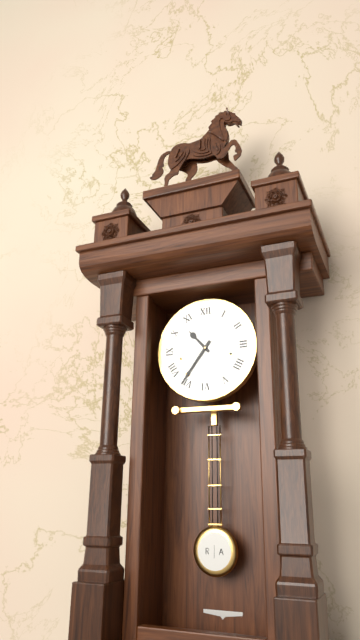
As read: 10.36
